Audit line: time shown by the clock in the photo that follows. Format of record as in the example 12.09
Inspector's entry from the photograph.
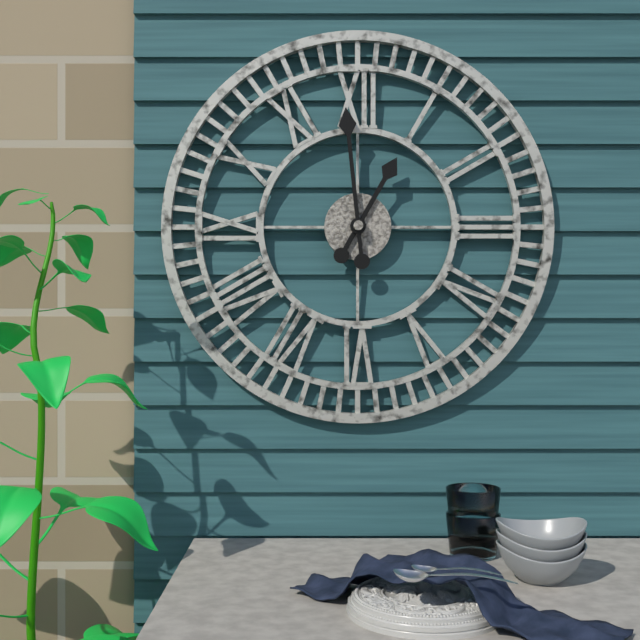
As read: 12.59
